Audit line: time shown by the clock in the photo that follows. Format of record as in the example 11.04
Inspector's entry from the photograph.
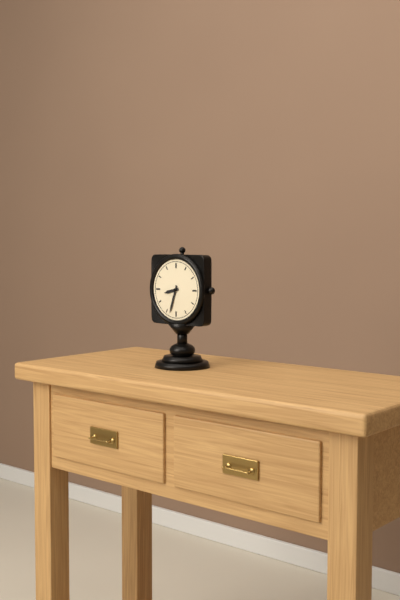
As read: 8.33
